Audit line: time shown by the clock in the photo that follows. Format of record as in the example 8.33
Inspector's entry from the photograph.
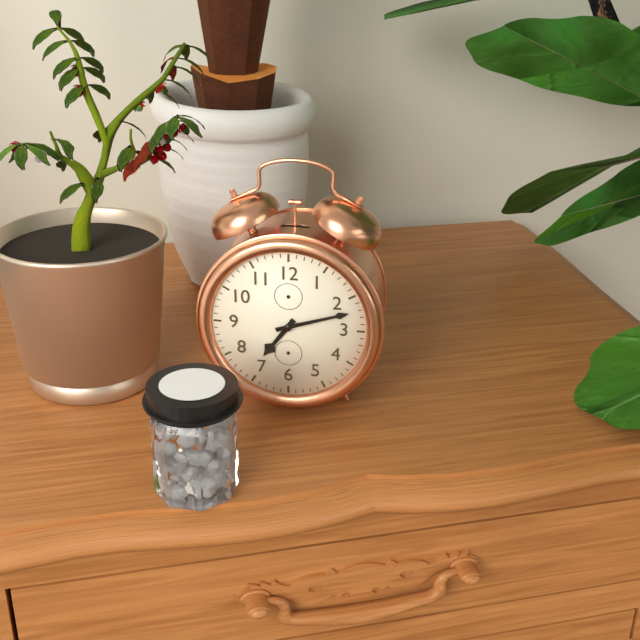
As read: 7.12
